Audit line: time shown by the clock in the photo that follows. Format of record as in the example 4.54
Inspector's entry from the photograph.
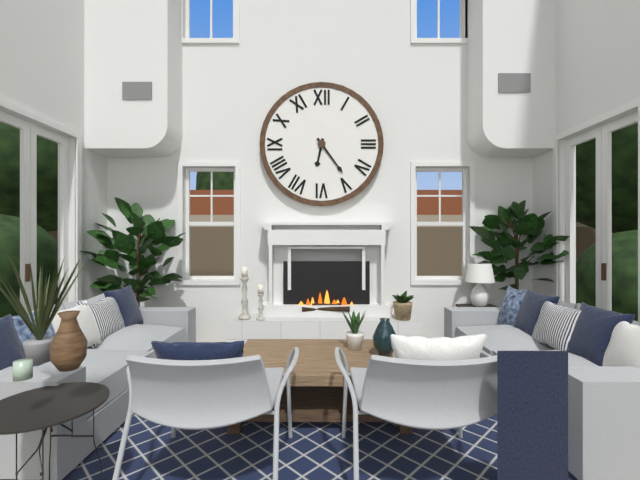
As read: 6.24
